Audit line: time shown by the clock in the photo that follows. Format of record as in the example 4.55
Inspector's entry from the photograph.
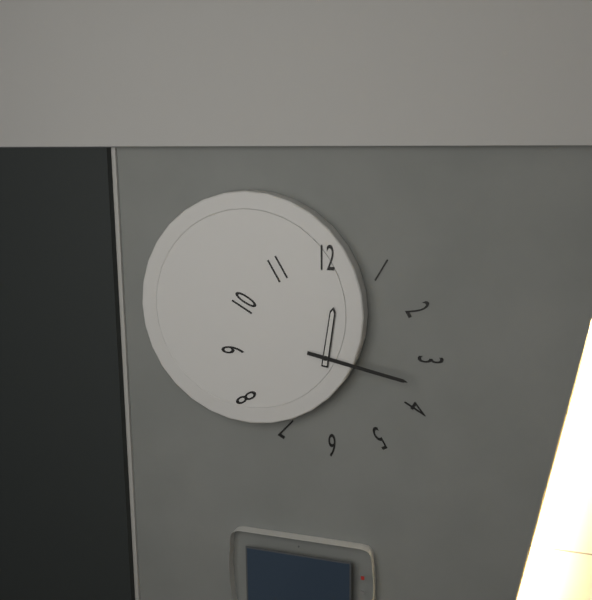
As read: 12.17
